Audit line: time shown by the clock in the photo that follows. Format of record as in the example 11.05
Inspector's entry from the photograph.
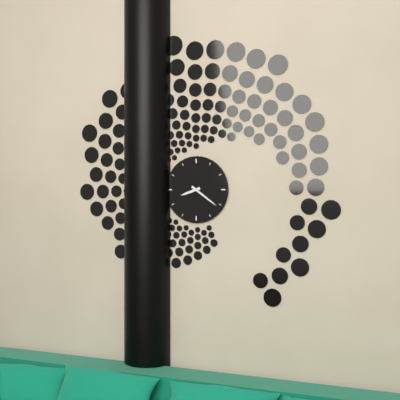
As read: 8.21
